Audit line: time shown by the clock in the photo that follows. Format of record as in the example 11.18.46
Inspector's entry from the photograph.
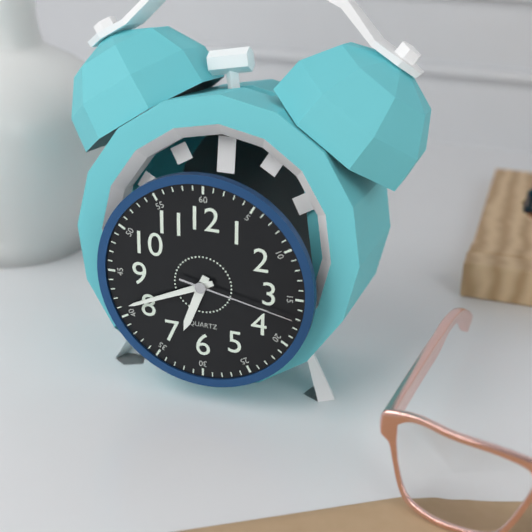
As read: 6.41.17
